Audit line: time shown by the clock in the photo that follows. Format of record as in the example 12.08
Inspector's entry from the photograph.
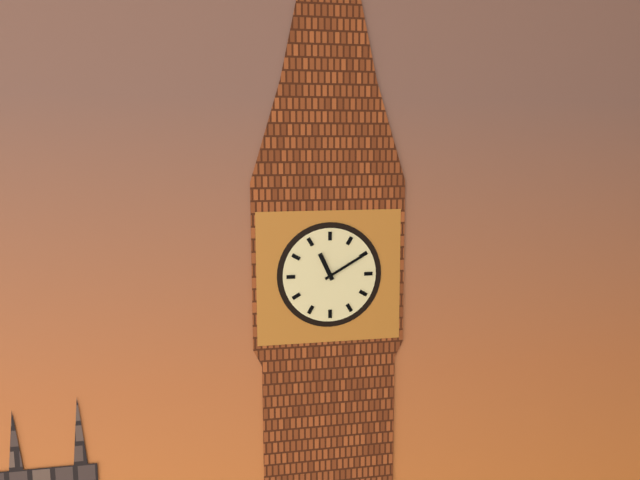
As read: 11.10
